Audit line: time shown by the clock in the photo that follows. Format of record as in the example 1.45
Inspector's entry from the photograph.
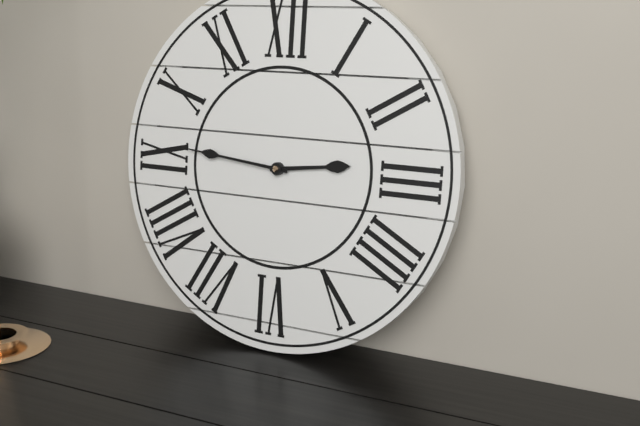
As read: 2.46
